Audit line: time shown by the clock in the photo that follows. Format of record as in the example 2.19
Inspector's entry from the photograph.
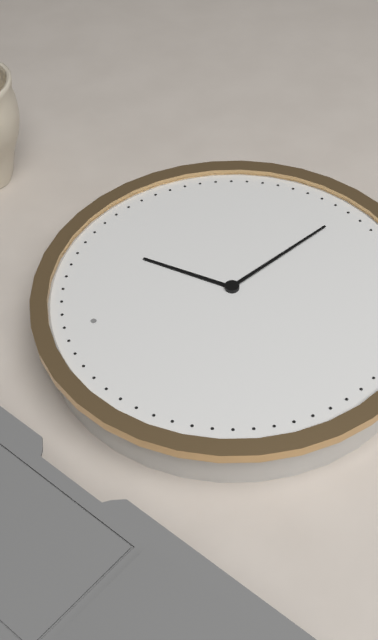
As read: 1.26
